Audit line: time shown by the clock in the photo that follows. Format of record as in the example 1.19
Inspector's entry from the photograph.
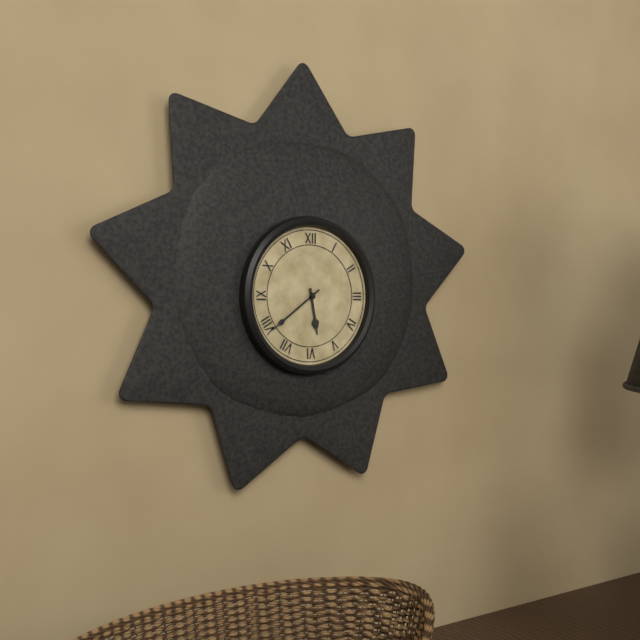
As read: 5.39
